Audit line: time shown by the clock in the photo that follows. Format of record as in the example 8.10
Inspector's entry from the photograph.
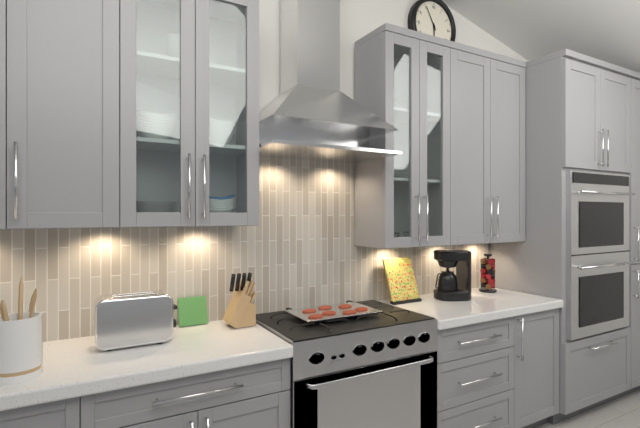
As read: 5.55
